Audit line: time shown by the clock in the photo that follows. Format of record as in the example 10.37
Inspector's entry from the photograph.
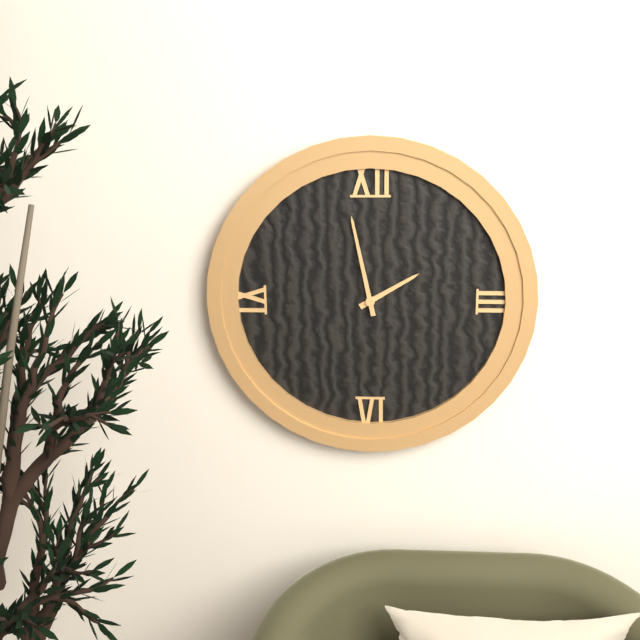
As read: 1.58
